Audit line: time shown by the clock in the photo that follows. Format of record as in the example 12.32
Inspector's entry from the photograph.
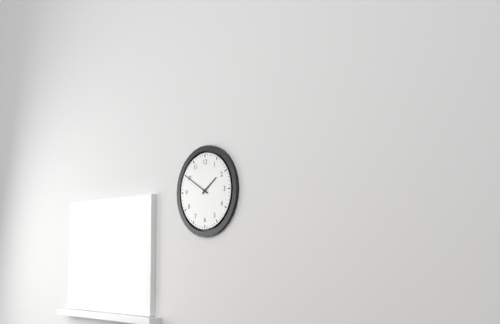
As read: 1.50
